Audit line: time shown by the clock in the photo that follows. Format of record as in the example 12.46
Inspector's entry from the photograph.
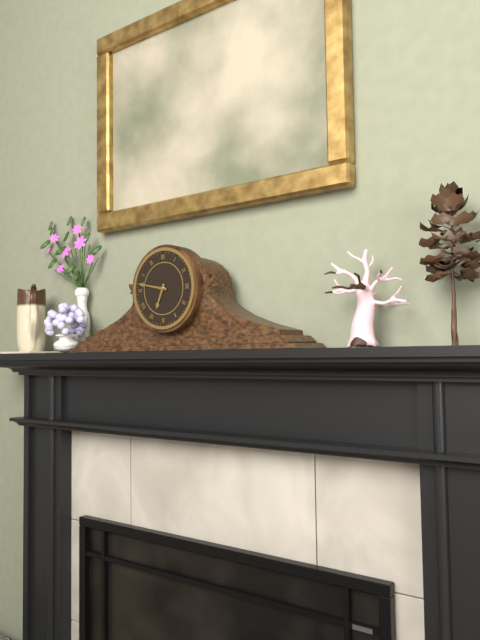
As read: 6.47
